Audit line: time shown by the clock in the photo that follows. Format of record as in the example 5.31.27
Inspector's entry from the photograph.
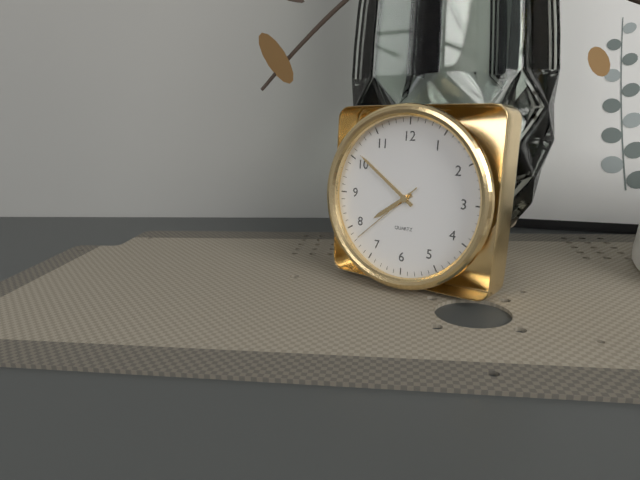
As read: 7.51.38
